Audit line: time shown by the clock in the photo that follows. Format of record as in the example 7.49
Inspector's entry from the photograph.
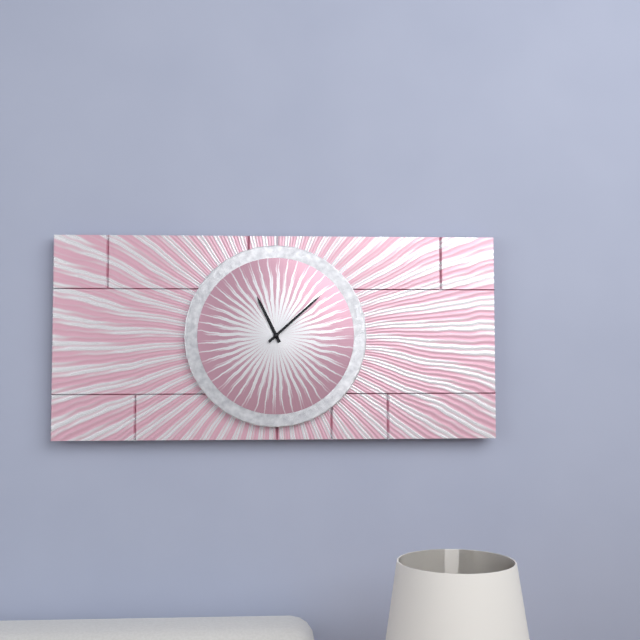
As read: 11.08
